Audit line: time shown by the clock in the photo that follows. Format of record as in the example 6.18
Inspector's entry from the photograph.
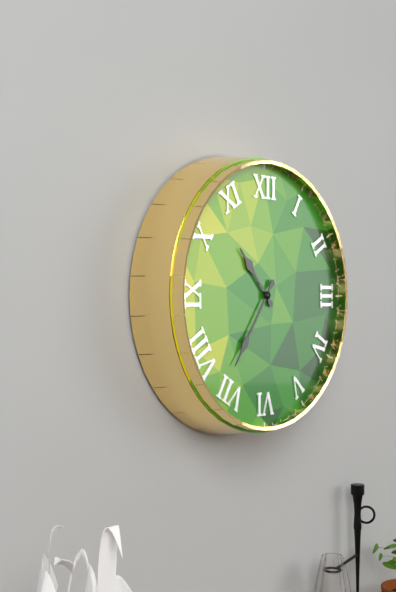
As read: 10.36
